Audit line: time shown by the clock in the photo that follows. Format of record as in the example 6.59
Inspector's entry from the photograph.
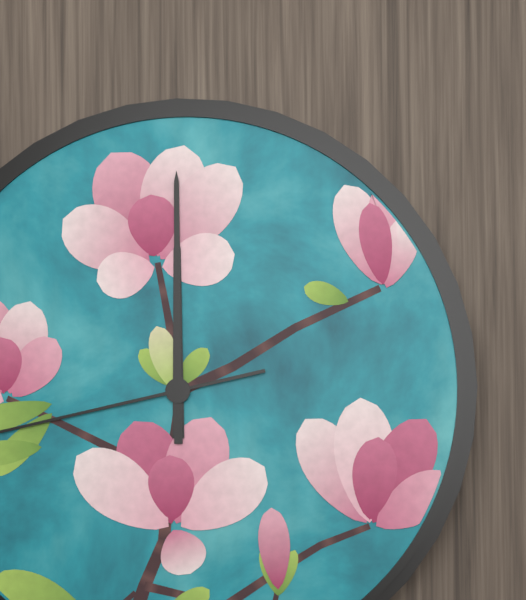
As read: 12.00
